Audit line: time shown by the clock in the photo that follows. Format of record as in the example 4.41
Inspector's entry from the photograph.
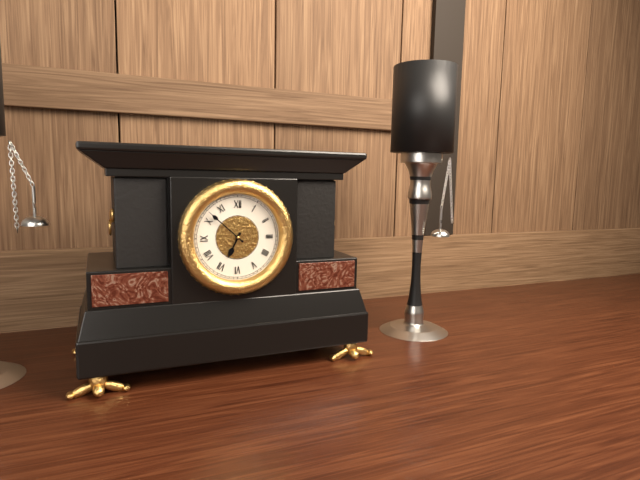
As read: 6.52
